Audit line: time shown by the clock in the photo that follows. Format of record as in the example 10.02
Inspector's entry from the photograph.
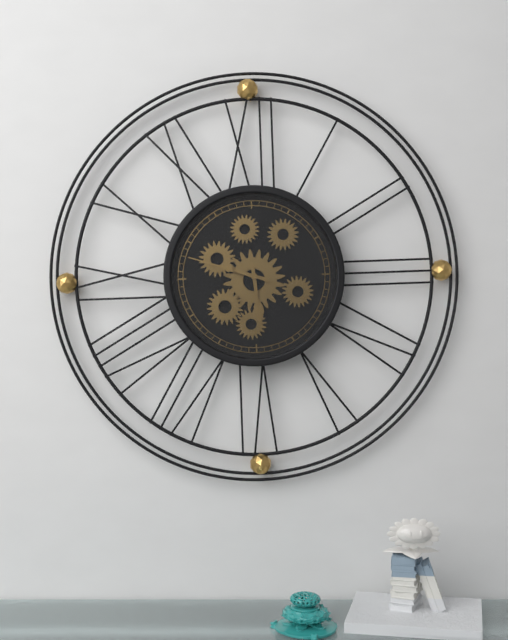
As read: 5.48
